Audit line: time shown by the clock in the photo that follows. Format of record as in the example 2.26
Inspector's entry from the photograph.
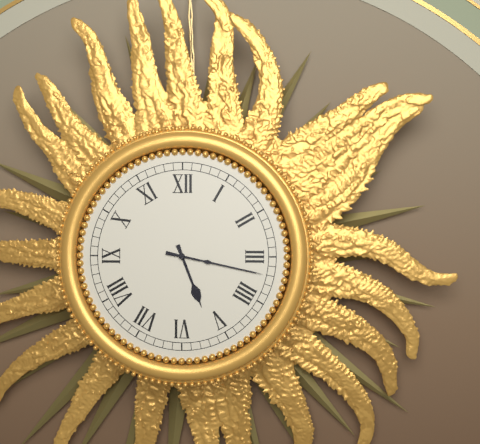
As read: 5.17
